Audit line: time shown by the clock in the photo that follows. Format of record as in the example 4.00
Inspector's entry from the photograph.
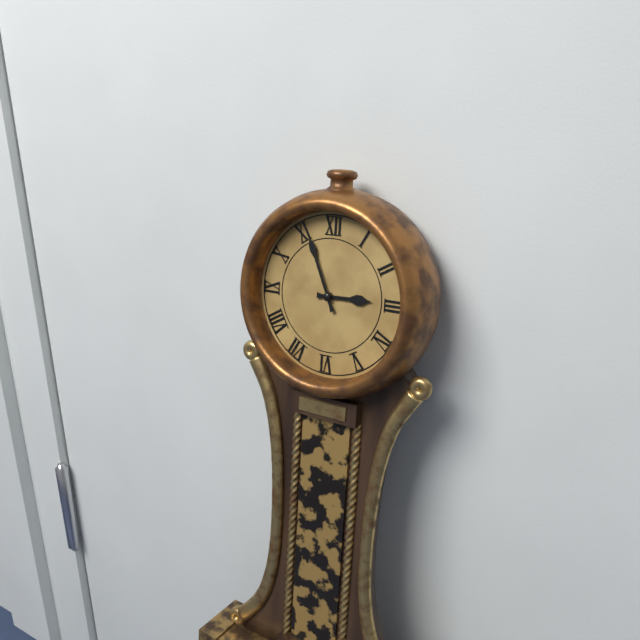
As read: 2.56
